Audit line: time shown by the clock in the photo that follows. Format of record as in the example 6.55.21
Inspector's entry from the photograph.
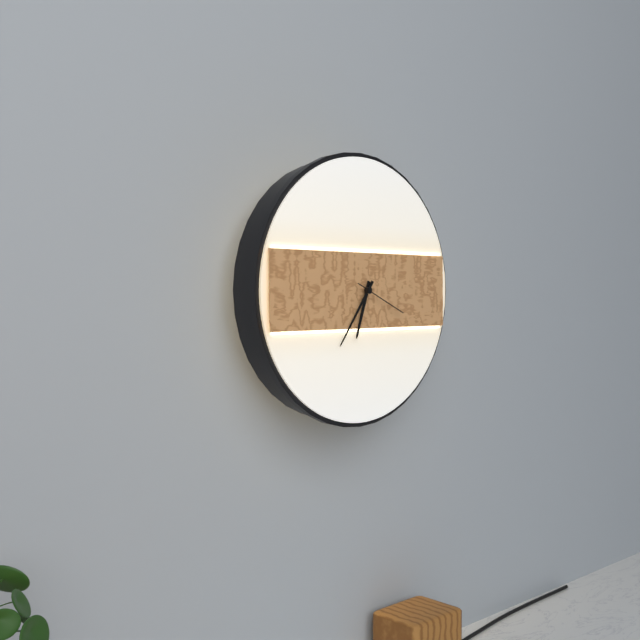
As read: 6.36.19
